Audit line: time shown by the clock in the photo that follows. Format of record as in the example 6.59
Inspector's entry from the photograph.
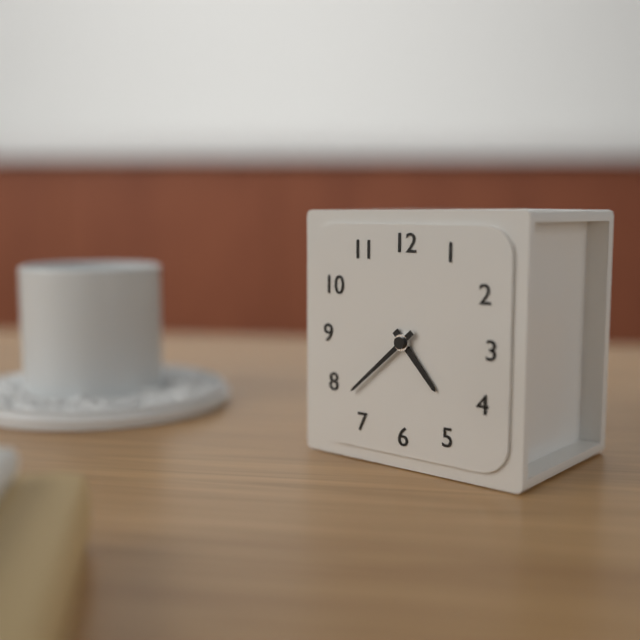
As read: 4.38
